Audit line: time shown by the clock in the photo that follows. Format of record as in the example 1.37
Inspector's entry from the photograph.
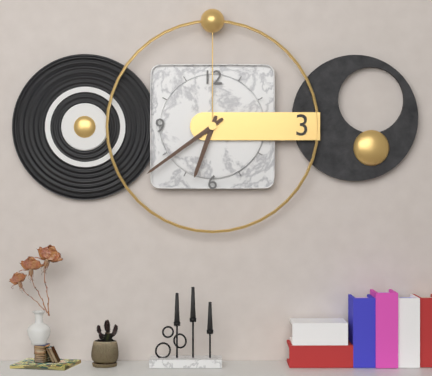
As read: 6.39
